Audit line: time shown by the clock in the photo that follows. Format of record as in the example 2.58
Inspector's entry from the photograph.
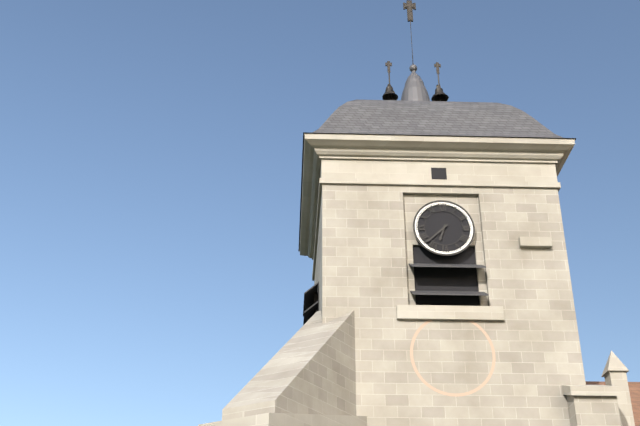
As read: 6.38
